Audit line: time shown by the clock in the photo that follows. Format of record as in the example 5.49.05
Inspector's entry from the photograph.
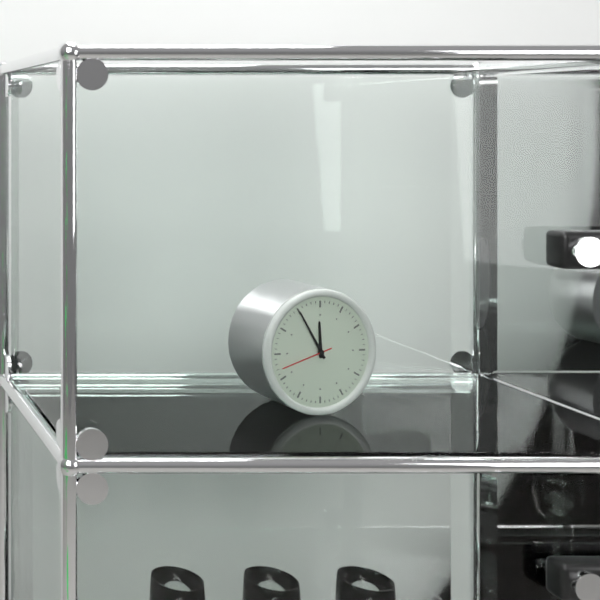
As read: 11.55.42
